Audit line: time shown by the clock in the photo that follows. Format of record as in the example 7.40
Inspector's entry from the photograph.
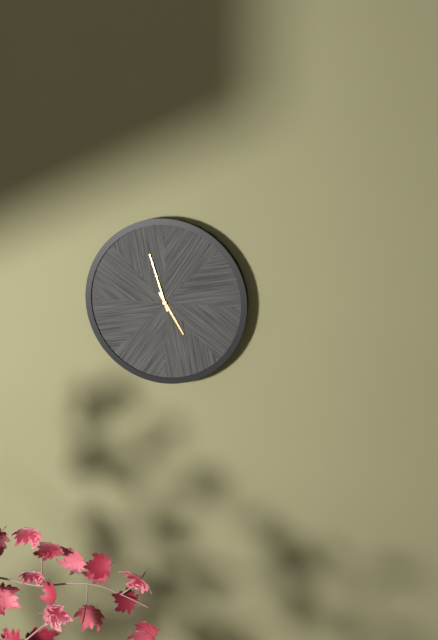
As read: 4.57
